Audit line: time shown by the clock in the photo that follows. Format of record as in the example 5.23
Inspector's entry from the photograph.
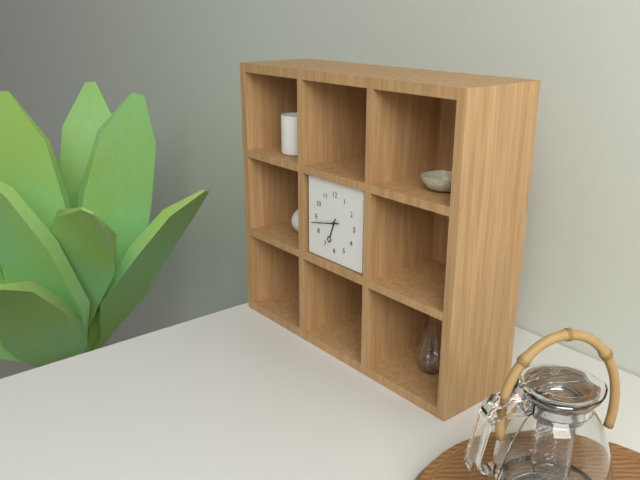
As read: 6.43
